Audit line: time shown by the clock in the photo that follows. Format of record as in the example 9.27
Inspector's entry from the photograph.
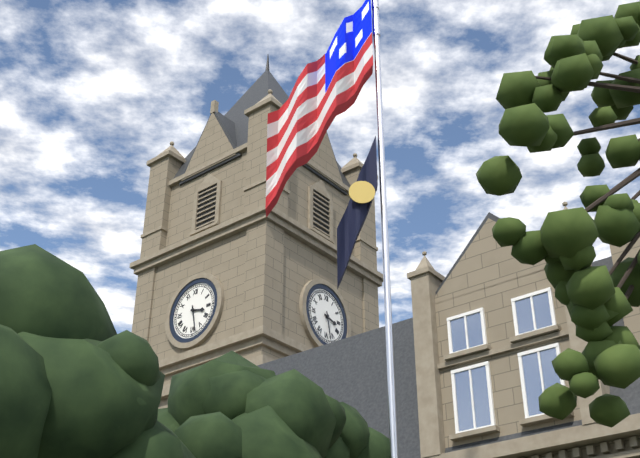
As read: 3.28
